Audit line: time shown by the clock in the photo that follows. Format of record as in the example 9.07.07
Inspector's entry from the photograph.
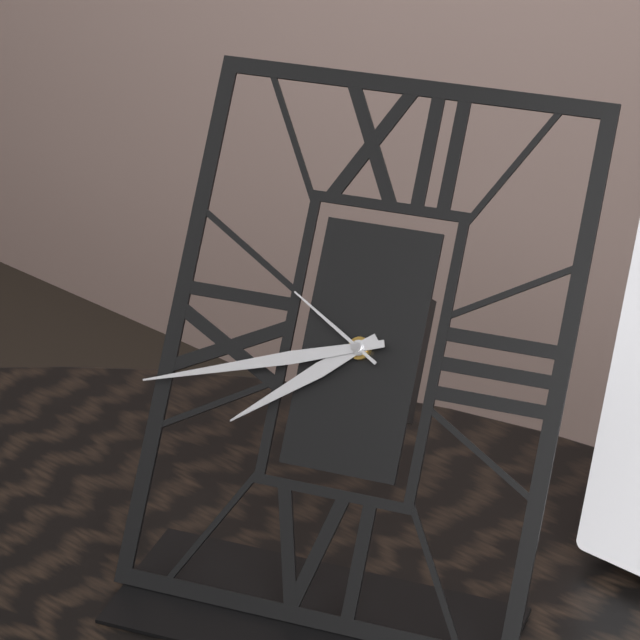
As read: 7.42.50
